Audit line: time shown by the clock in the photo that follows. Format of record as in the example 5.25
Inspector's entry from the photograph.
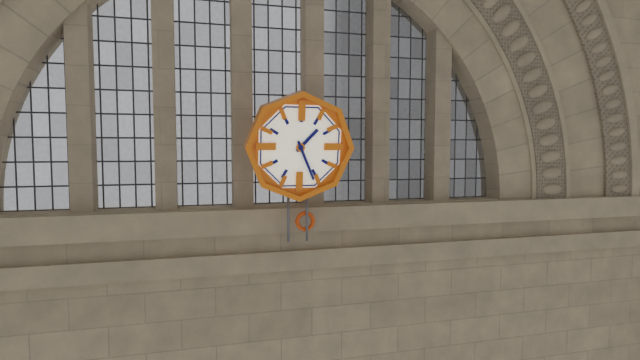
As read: 1.26
